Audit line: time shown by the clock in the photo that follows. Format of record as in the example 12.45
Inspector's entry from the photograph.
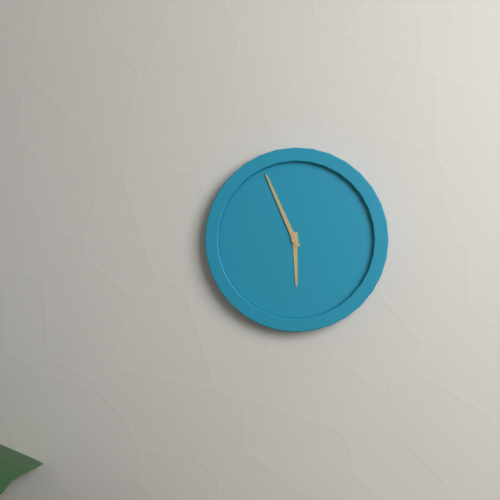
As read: 5.56
